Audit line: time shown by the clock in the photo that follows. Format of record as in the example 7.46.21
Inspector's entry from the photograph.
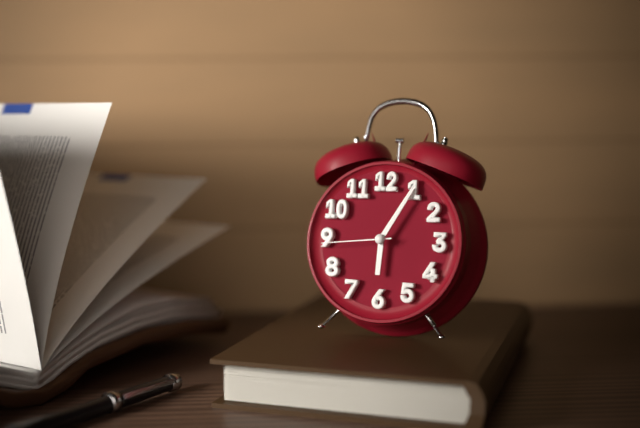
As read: 6.05.44
